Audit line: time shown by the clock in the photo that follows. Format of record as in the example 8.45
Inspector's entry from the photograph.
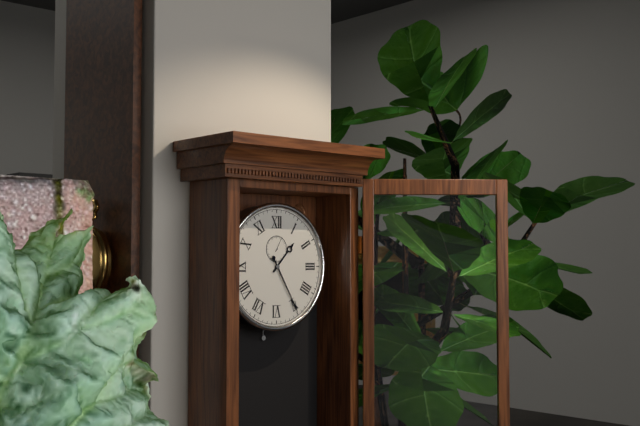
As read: 1.25
